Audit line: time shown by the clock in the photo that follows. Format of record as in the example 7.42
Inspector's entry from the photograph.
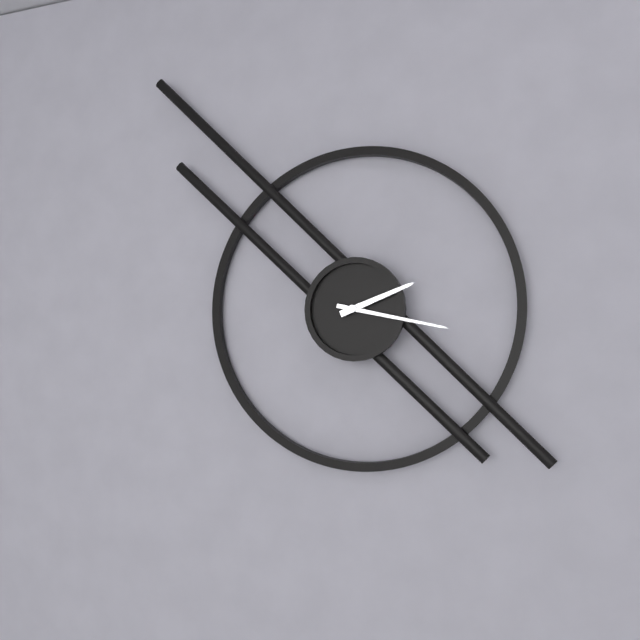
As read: 2.17
